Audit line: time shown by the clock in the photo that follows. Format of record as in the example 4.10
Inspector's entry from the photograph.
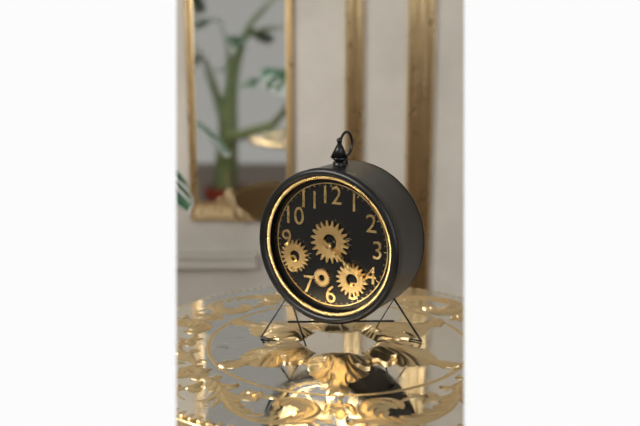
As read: 4.21
